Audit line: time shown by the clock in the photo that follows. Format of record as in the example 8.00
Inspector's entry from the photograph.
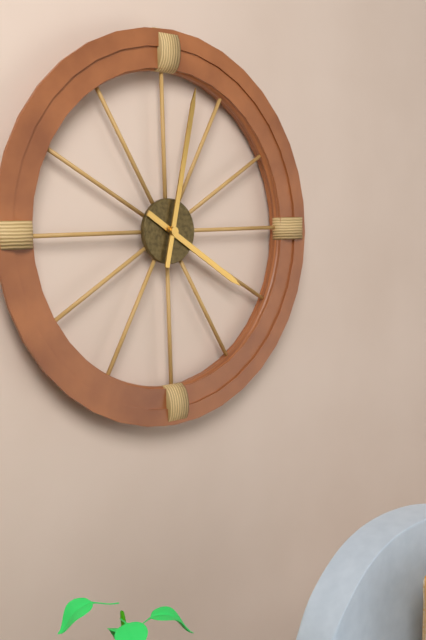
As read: 4.02
